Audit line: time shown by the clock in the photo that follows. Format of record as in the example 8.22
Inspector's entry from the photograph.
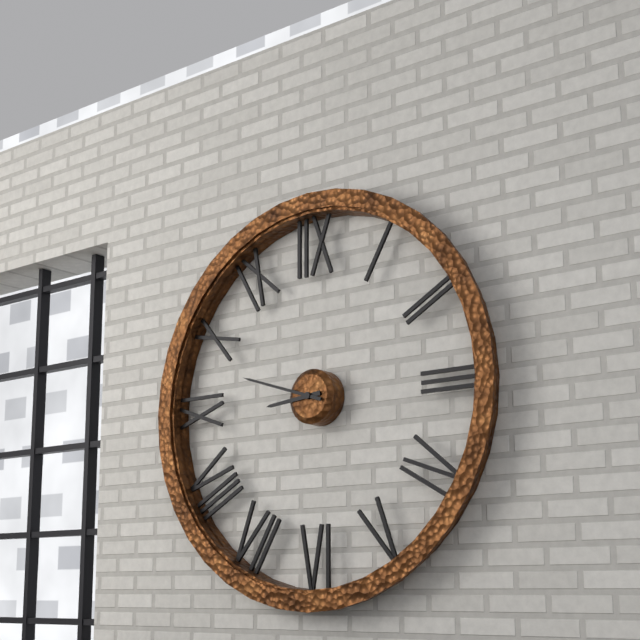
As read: 8.48
